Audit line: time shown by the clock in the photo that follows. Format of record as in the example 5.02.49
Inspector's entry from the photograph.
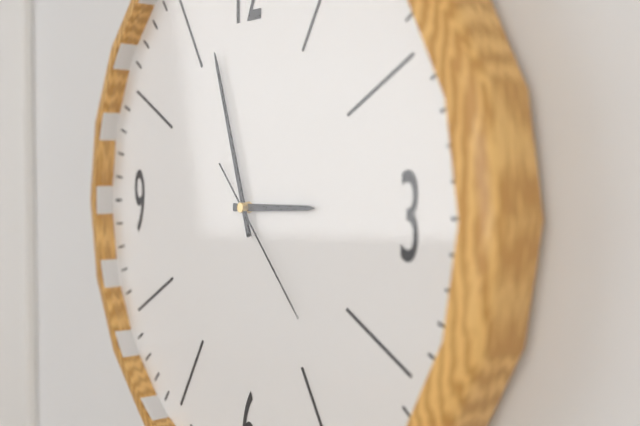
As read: 2.57.23
